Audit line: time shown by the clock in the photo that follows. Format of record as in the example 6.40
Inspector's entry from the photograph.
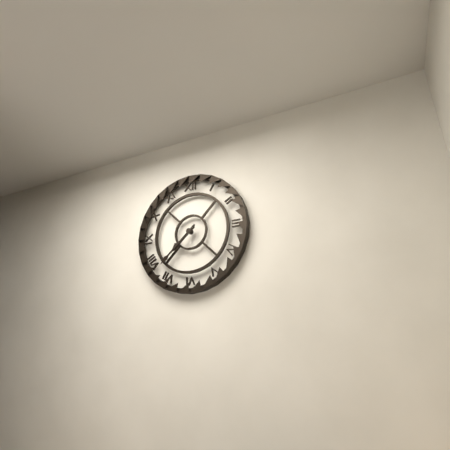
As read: 7.38
